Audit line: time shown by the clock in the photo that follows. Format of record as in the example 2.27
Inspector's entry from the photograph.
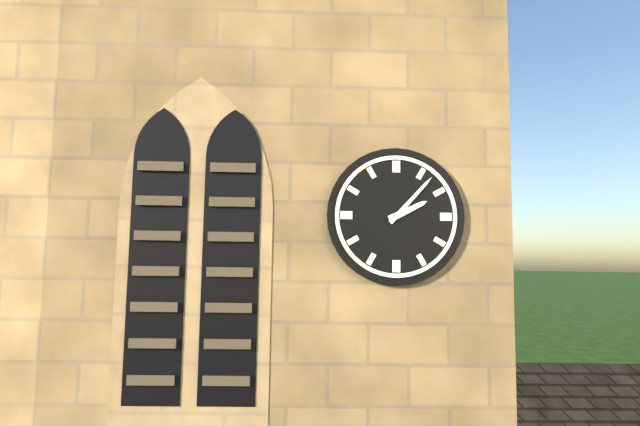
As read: 2.07
